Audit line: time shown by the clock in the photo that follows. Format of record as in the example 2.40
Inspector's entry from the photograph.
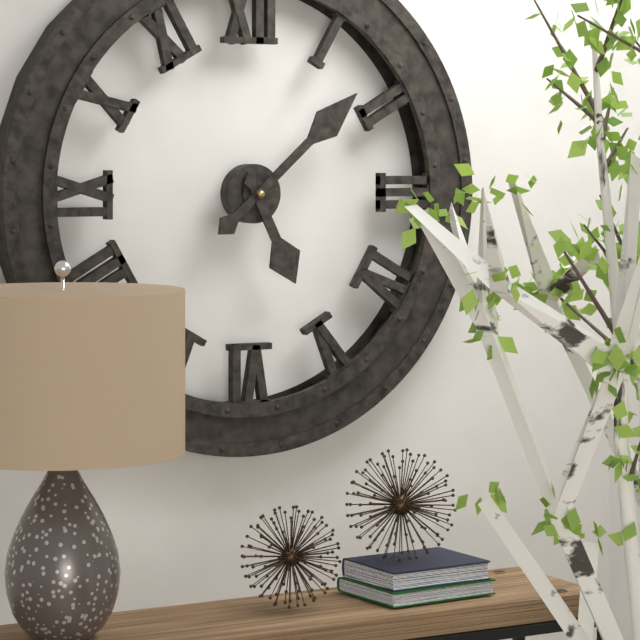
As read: 5.08
